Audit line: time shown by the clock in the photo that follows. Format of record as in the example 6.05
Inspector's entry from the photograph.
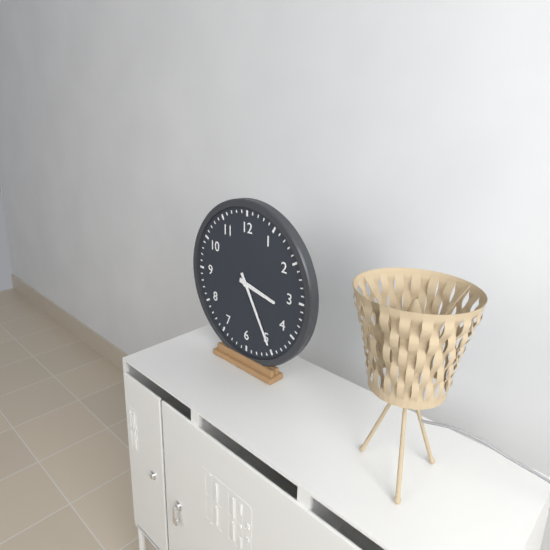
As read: 3.25
